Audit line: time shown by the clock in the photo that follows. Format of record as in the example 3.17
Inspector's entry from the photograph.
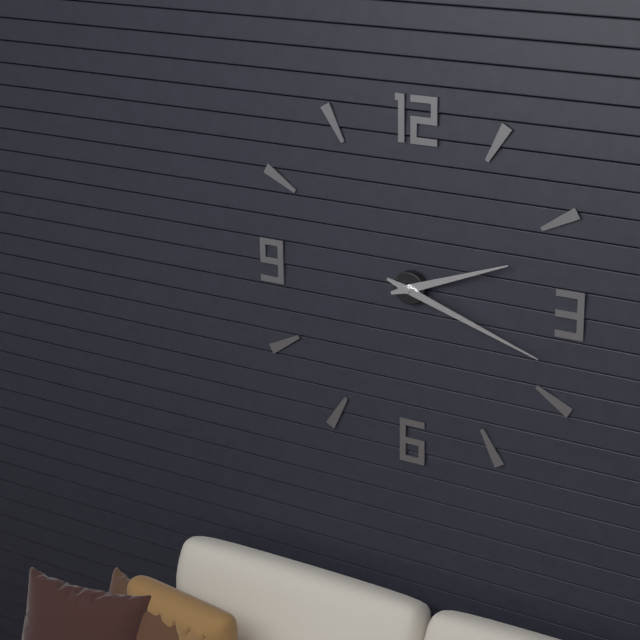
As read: 2.18
